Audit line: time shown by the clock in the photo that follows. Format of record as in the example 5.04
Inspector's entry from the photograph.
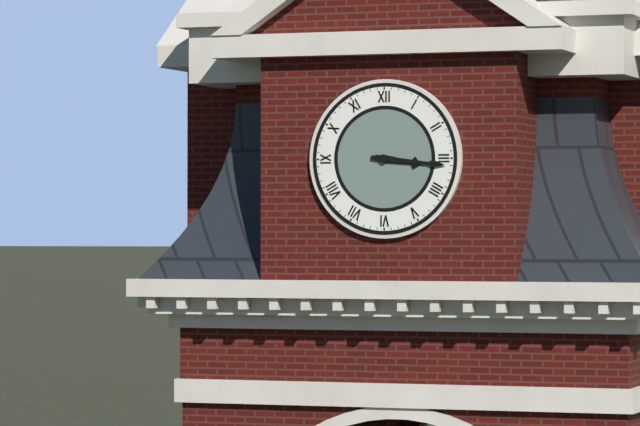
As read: 3.16
